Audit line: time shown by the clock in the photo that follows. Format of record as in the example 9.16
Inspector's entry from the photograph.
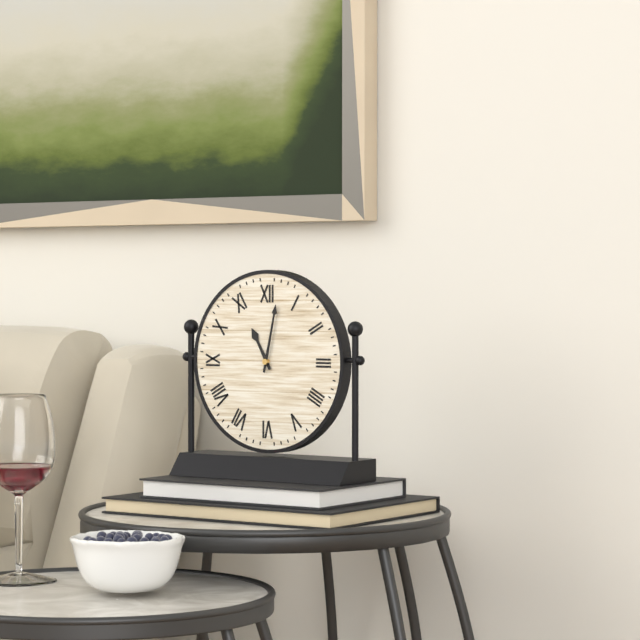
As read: 11.02
